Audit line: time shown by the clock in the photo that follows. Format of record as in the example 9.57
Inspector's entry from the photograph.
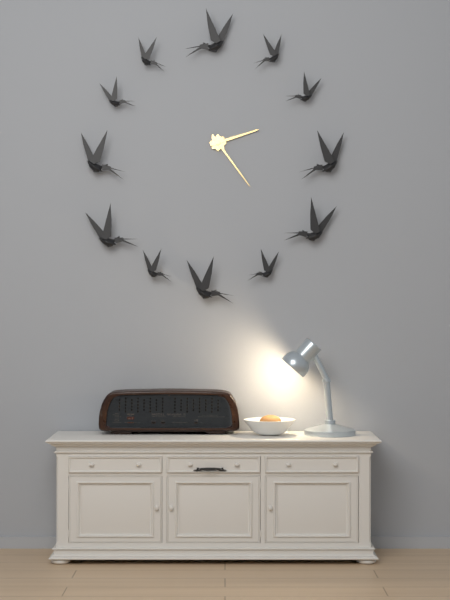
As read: 2.24
